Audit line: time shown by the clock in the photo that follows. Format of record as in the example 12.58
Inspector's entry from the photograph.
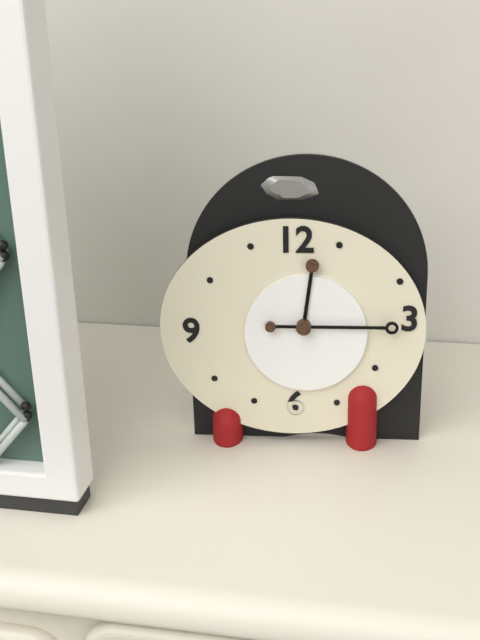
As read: 12.15
